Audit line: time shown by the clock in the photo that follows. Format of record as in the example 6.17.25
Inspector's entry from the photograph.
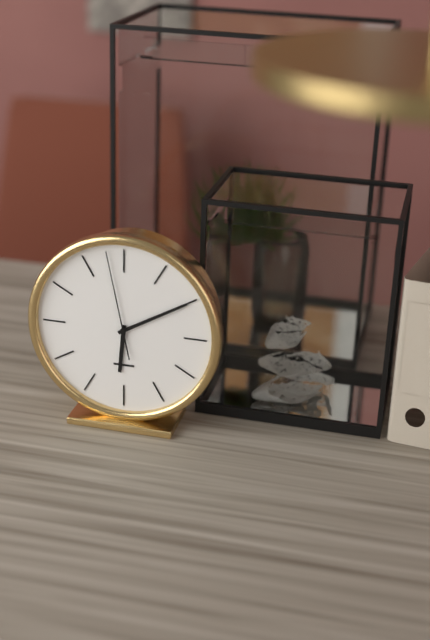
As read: 6.10.58
